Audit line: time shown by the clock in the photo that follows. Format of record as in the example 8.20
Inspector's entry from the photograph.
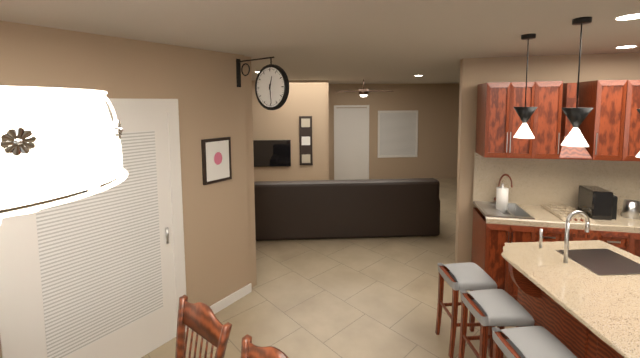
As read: 12.29
